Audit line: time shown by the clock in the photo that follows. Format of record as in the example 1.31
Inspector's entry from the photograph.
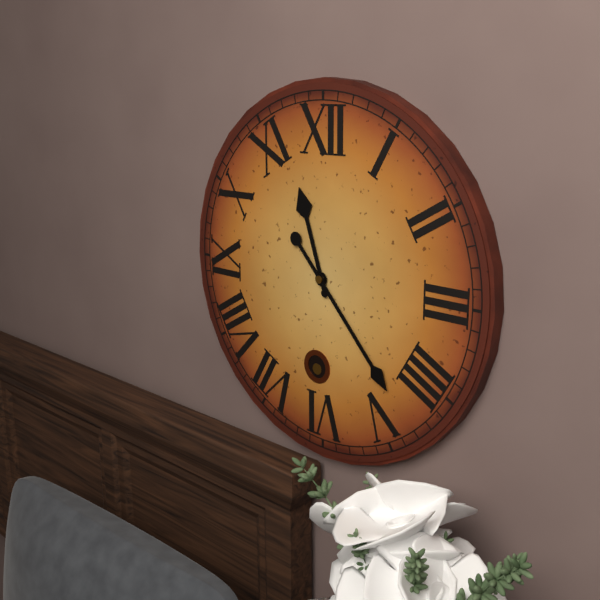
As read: 11.23
